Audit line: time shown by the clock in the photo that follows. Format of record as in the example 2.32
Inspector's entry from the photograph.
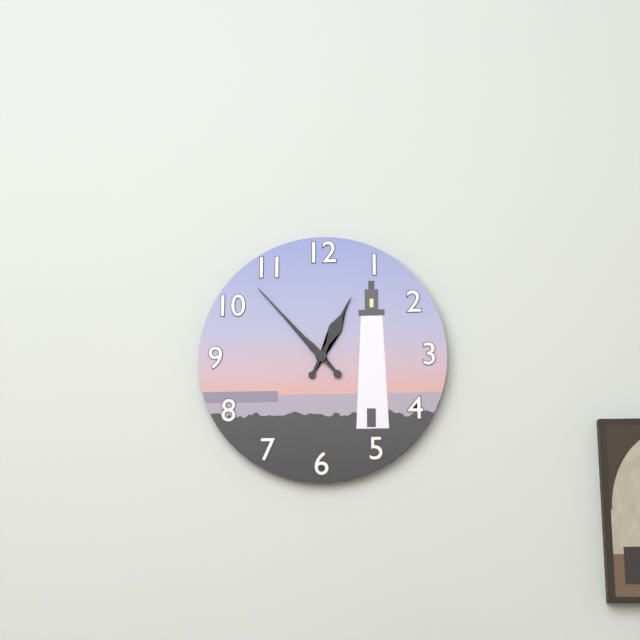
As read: 12.53
